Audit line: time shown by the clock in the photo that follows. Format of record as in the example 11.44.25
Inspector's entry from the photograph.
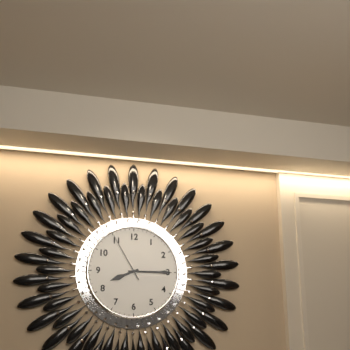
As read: 8.15.55
